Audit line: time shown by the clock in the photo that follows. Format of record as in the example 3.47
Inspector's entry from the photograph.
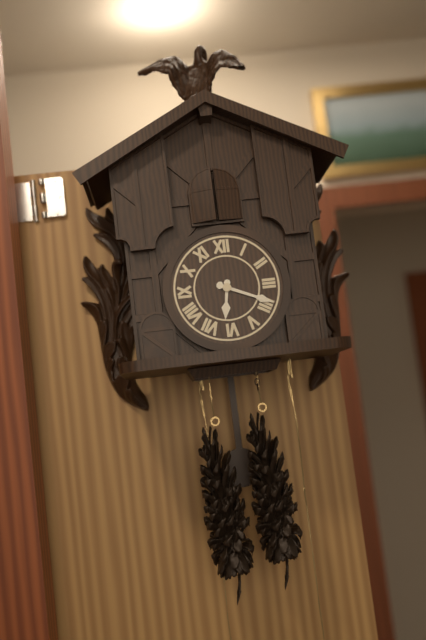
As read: 6.19
